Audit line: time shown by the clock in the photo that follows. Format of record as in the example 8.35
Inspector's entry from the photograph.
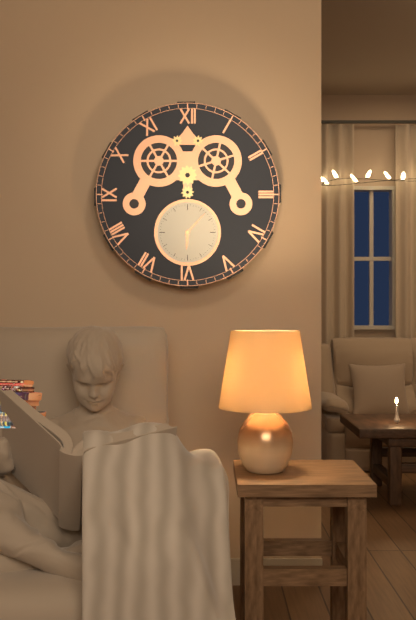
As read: 6.07
